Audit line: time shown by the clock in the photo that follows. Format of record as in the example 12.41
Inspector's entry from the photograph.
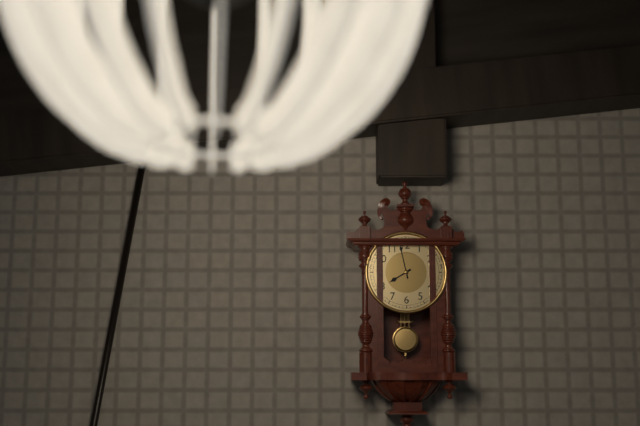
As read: 7.58
